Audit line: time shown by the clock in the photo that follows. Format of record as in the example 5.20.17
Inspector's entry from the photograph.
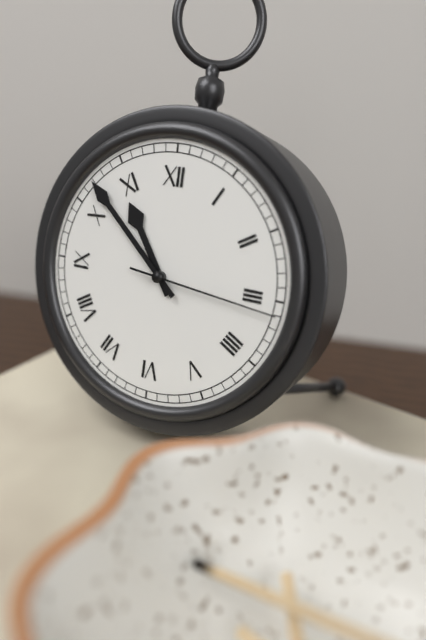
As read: 10.52.16
